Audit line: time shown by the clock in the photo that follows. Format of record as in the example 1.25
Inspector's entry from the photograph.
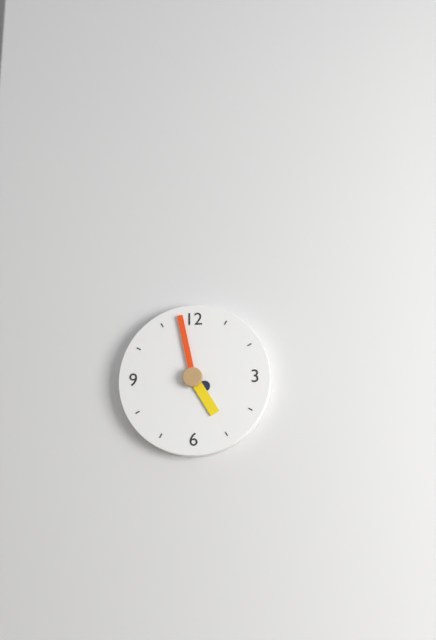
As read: 4.58
